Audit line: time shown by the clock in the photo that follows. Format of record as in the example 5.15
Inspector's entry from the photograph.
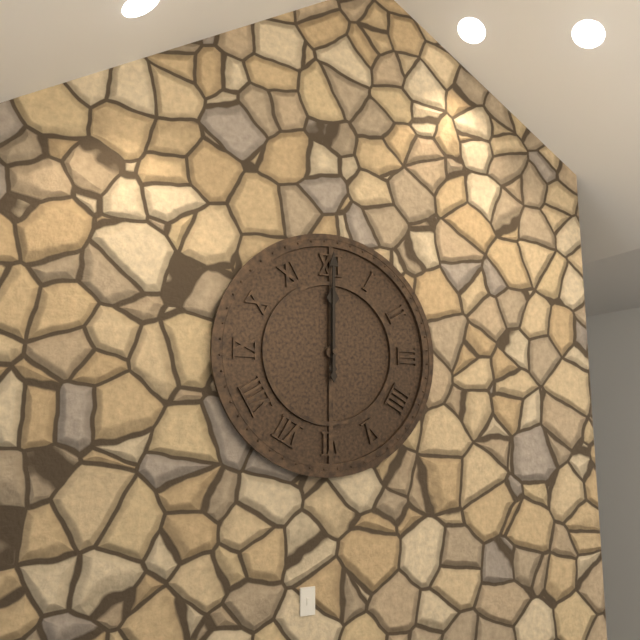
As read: 12.00
